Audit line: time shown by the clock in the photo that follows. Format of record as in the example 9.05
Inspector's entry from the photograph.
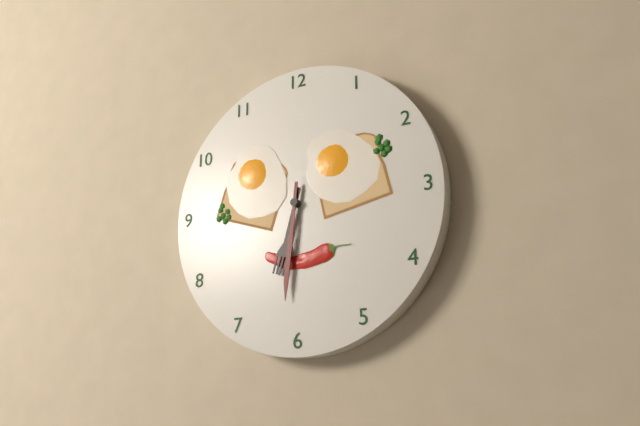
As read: 6.31
